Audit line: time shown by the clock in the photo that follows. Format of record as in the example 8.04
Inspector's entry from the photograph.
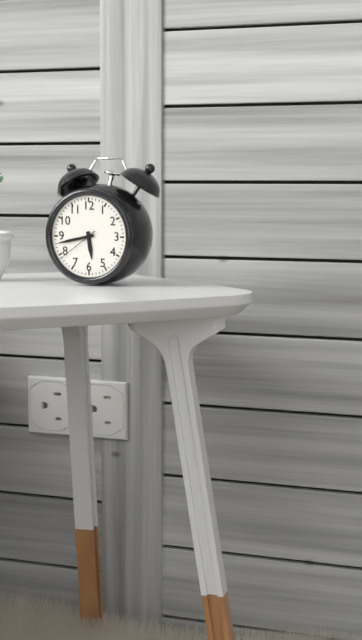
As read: 5.43
